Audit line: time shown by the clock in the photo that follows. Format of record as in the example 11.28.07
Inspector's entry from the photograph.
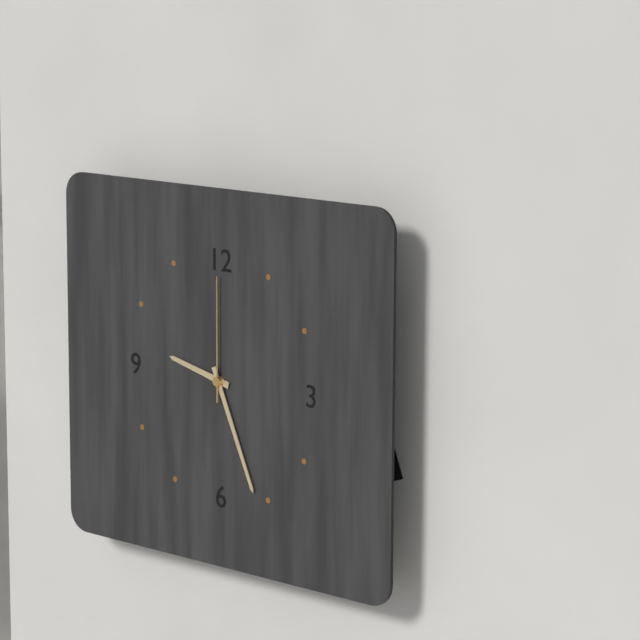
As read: 9.26.00
